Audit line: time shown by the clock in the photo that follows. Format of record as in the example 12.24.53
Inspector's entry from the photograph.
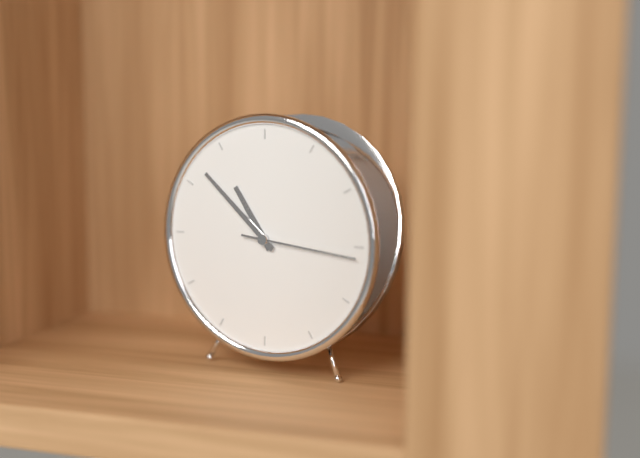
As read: 10.52.16
